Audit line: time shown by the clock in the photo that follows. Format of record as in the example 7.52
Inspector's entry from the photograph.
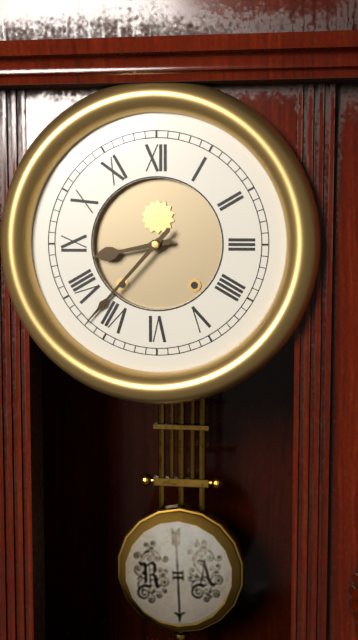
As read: 8.37
